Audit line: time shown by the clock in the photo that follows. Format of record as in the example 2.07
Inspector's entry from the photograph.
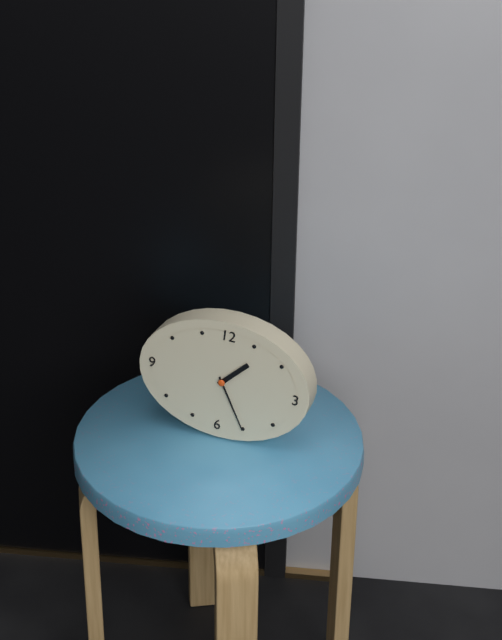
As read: 1.25
